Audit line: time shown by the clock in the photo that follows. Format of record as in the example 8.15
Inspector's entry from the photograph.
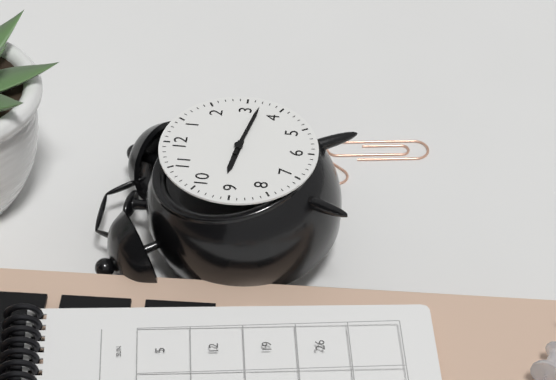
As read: 9.17
